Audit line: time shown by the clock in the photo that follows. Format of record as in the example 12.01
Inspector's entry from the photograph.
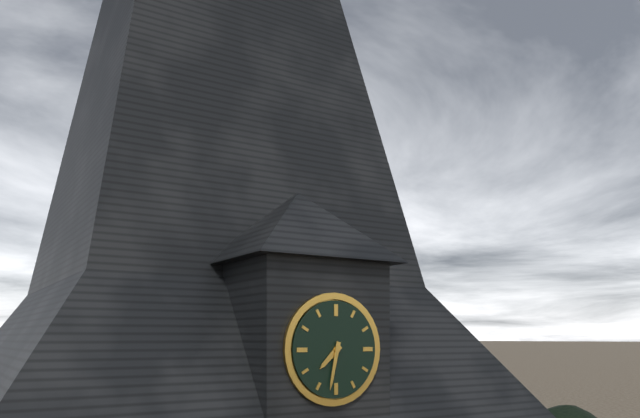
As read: 7.32
